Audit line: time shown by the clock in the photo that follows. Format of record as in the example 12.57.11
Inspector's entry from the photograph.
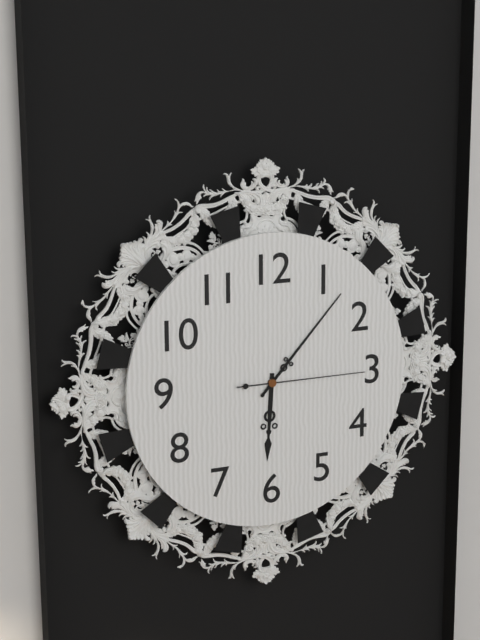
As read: 6.07.15
